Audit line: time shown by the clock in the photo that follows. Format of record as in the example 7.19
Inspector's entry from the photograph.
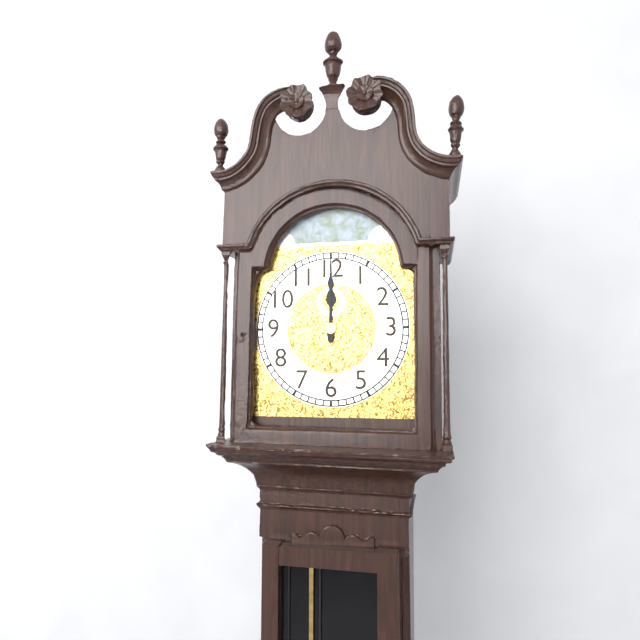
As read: 12.00
